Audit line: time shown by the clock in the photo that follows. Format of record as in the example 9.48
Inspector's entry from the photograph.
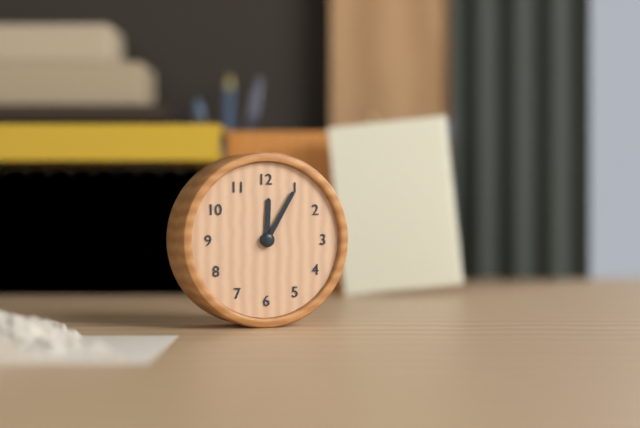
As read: 12.05
